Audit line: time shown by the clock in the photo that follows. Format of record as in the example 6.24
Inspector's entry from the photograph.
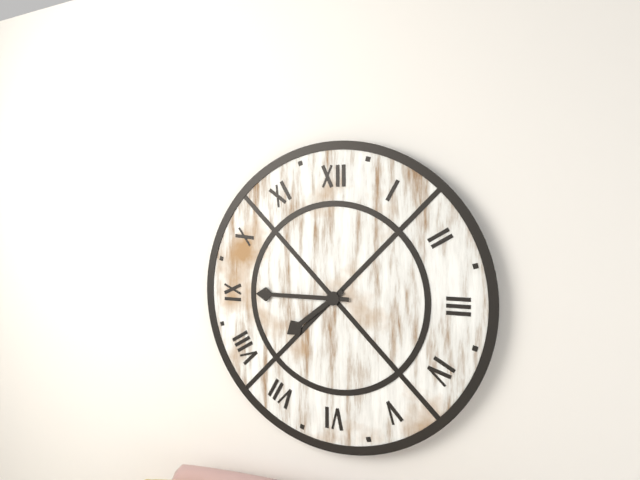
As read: 7.45
